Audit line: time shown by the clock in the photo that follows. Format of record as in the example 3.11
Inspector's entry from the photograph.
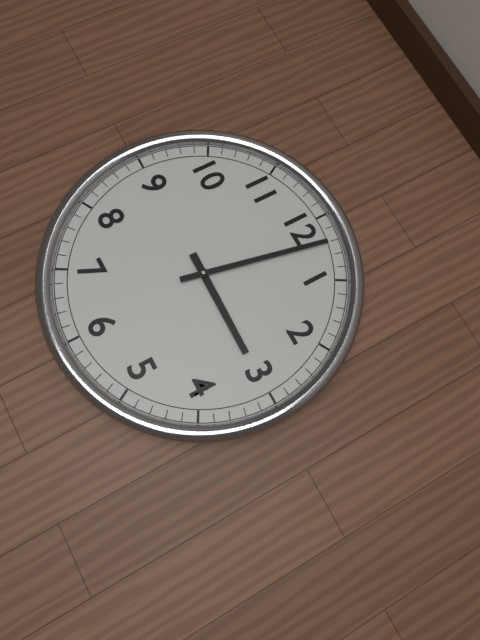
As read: 3.02
